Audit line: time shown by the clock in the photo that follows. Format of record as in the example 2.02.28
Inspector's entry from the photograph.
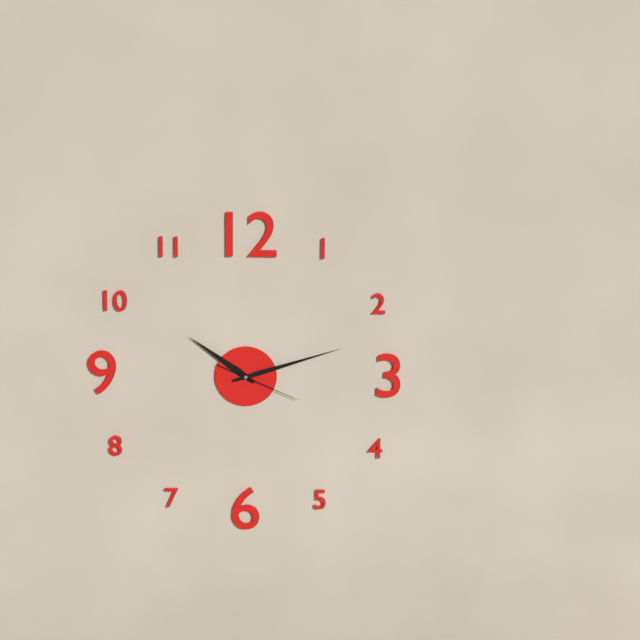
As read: 10.12.19
